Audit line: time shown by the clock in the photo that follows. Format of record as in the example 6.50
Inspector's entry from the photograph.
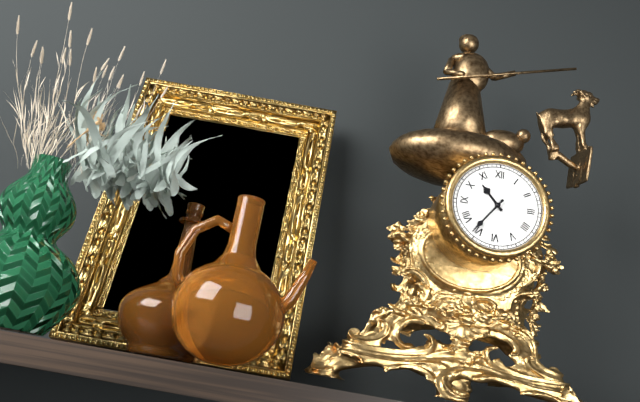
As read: 10.36
